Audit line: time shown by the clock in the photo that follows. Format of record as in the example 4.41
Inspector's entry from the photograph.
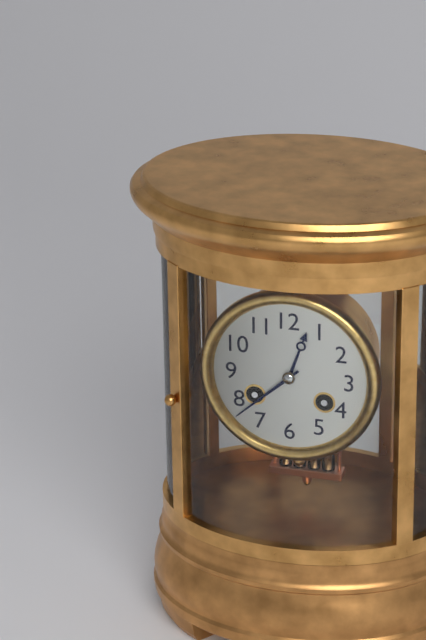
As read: 12.38
